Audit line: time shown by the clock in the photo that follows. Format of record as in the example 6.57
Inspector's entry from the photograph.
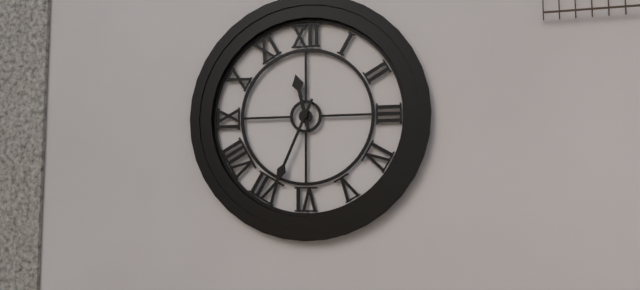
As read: 11.34
